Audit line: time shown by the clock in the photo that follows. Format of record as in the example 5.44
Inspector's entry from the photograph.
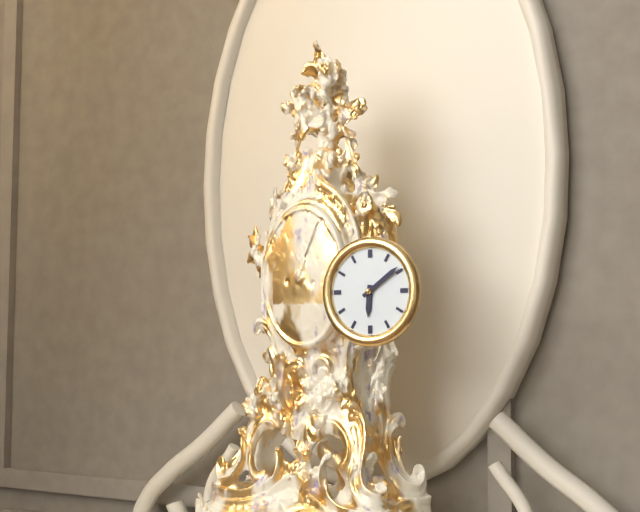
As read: 6.09
